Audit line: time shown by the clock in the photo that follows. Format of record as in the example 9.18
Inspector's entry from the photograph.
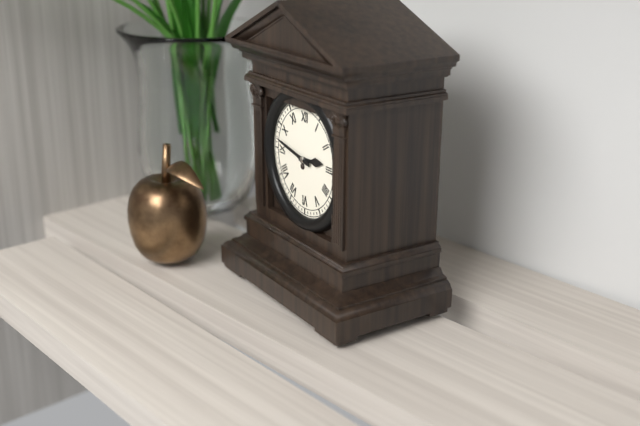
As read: 2.47
